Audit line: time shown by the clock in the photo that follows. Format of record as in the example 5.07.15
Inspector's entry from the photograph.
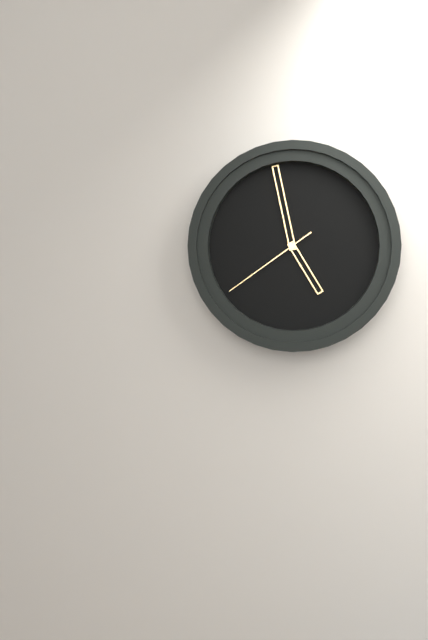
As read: 4.58.39
